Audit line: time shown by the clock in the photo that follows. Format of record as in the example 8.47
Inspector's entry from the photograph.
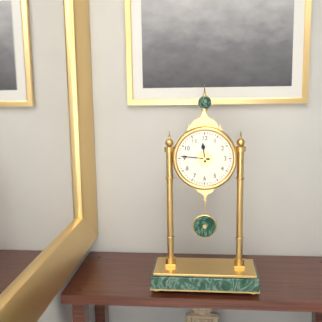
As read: 11.46
